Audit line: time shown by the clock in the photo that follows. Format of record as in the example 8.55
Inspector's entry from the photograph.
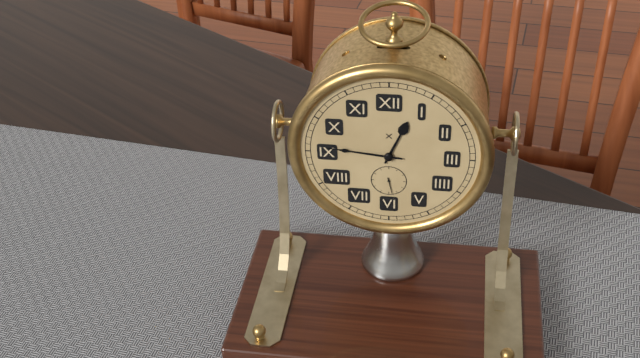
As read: 12.46
